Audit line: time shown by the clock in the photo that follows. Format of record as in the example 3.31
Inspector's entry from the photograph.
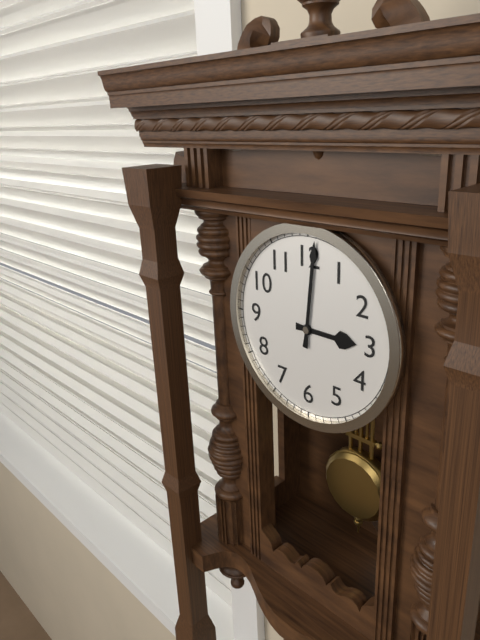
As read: 3.01
